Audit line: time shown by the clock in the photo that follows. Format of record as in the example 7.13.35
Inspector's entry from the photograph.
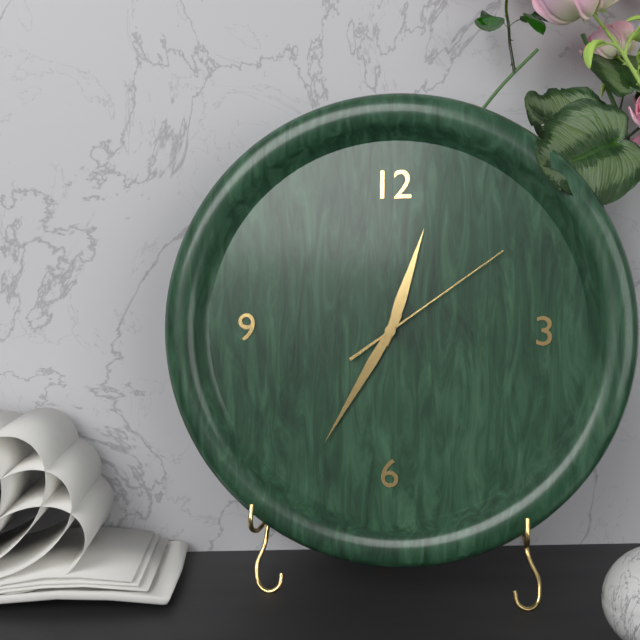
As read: 12.35.09
